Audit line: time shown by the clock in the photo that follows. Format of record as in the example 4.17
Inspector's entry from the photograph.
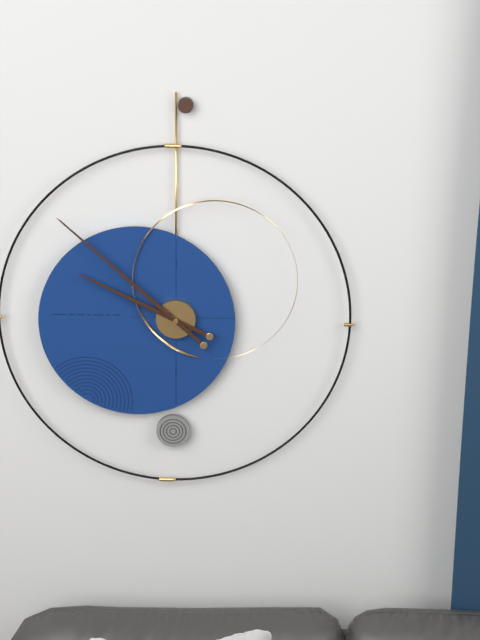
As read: 9.52
